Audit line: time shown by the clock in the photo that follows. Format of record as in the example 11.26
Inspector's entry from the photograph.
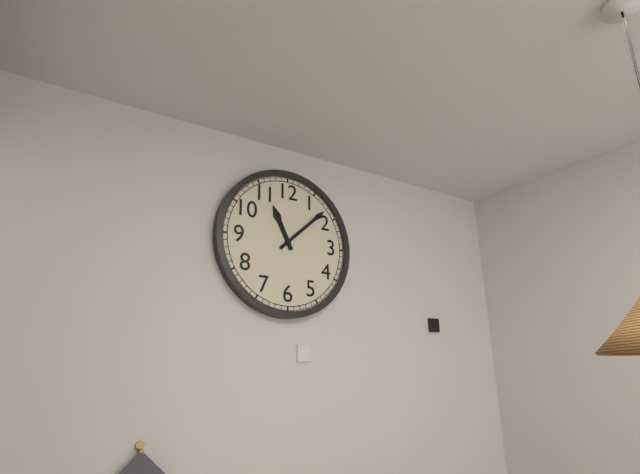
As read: 11.08
